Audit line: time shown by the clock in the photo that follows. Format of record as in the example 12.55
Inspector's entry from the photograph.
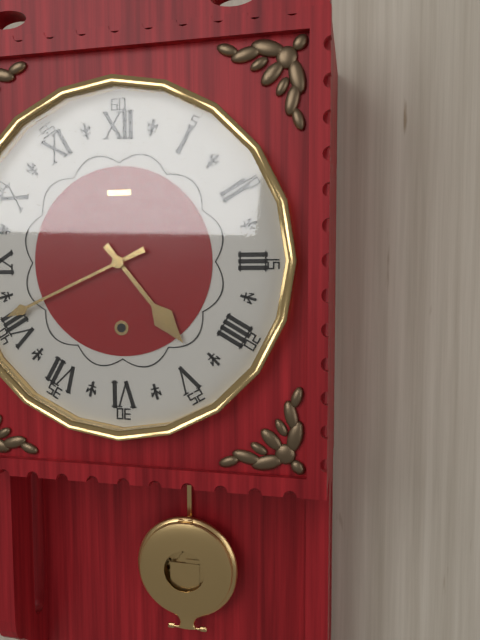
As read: 4.41
